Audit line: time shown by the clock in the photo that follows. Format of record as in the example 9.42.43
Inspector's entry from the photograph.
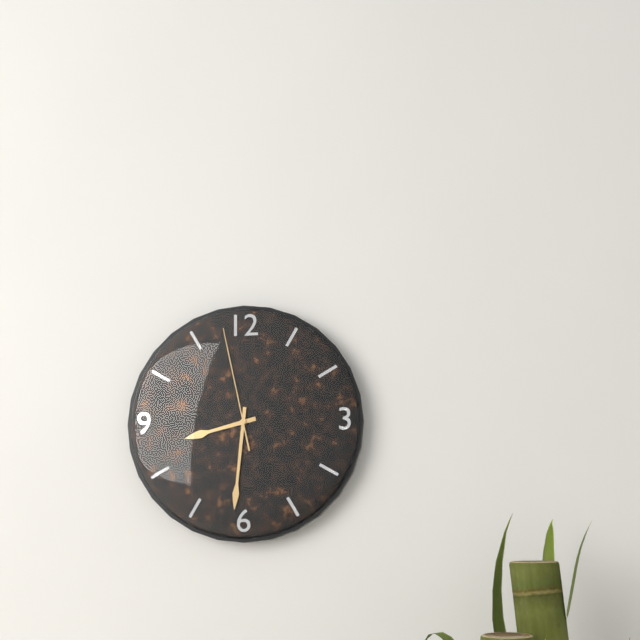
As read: 8.31.58
